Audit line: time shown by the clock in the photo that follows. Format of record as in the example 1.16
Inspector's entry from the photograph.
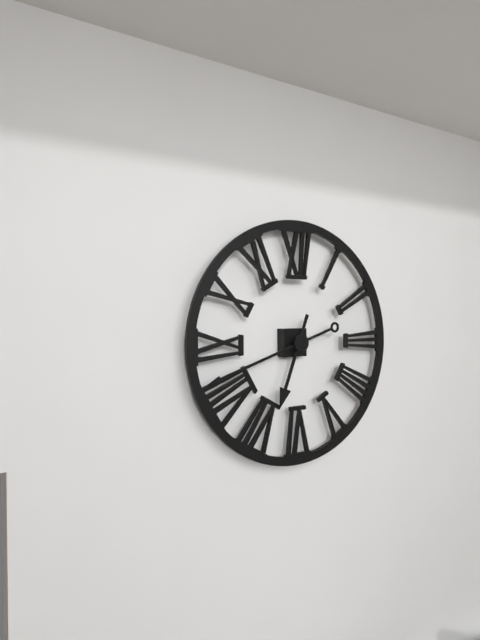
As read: 6.42
